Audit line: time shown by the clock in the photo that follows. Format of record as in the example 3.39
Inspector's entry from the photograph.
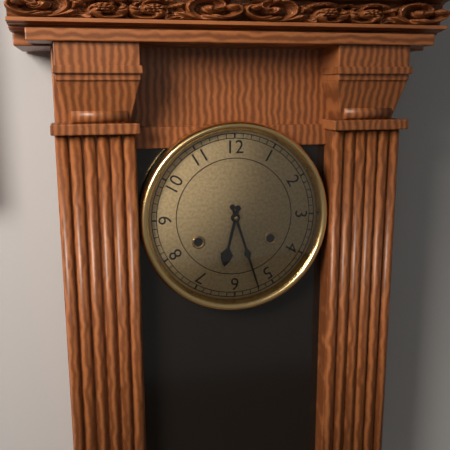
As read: 6.27
